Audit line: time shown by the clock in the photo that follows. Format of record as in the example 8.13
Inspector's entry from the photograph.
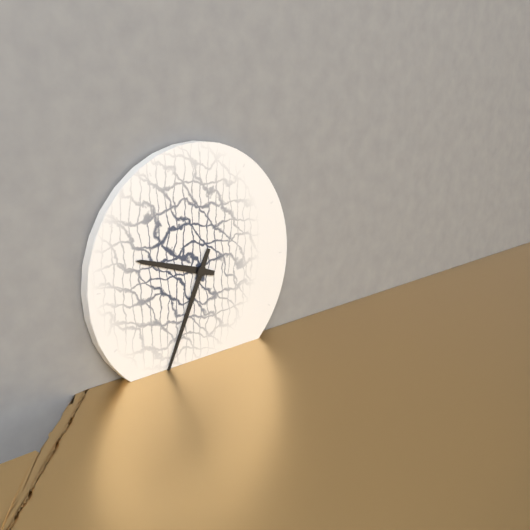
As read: 9.34
